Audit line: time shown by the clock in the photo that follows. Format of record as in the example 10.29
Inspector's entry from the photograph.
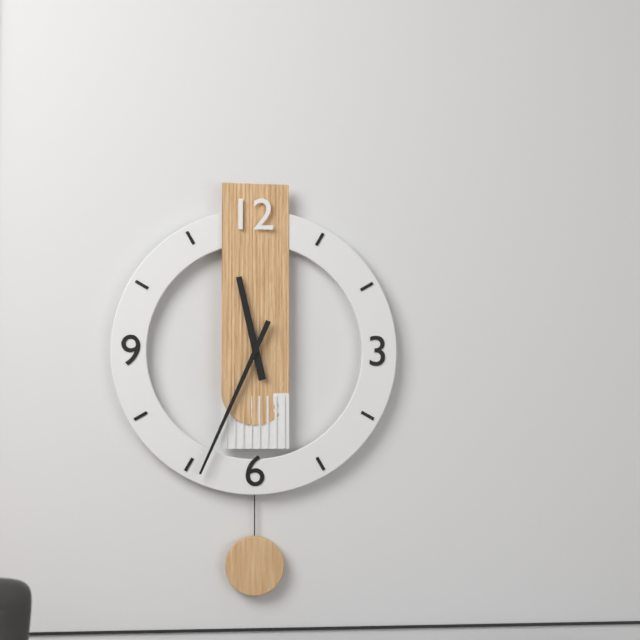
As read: 11.34
